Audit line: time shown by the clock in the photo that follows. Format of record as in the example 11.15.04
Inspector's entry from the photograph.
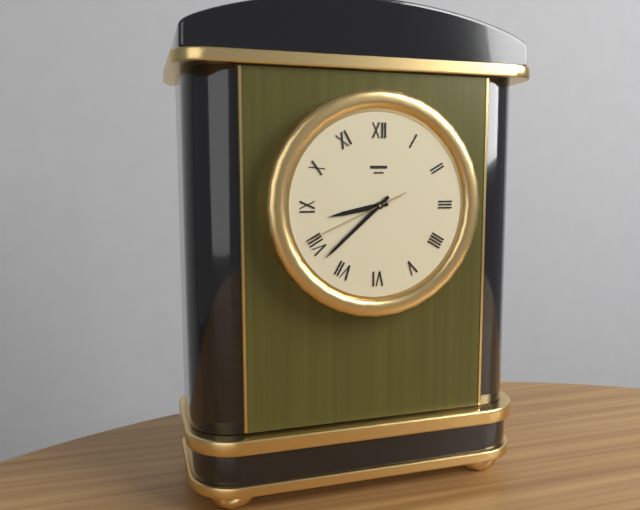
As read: 8.38.41
